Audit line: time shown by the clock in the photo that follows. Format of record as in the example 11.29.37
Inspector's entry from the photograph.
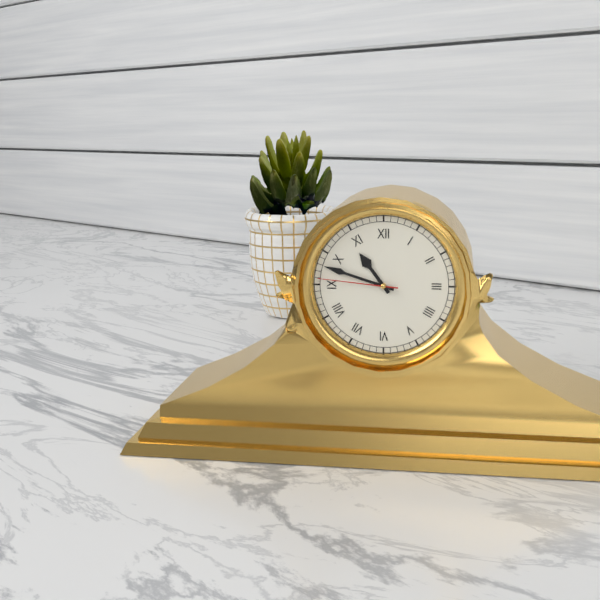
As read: 10.48.46
